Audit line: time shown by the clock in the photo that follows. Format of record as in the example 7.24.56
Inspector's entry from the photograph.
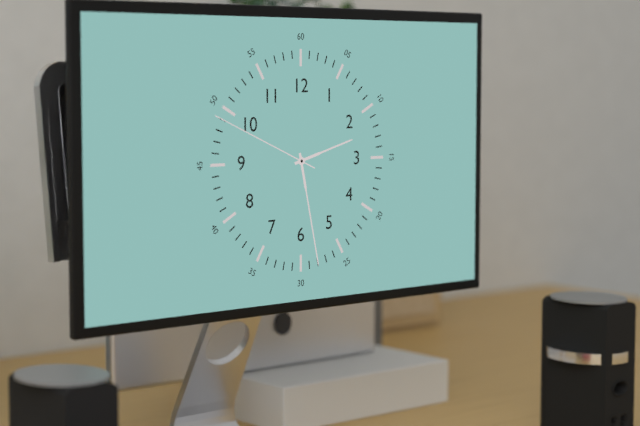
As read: 2.28.49
